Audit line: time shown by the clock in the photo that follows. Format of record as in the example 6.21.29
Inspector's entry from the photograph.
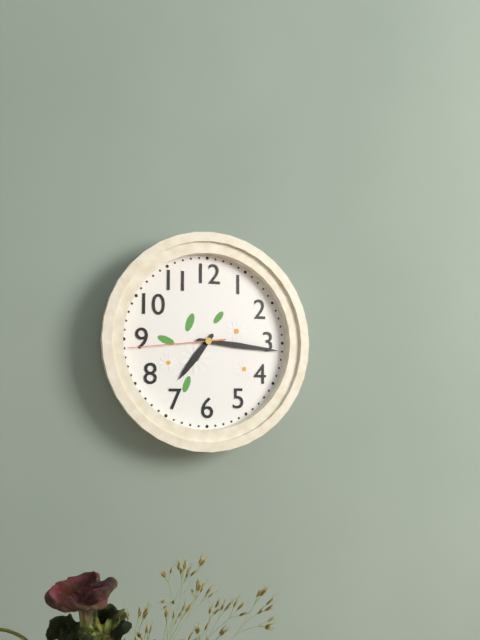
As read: 7.16.44
